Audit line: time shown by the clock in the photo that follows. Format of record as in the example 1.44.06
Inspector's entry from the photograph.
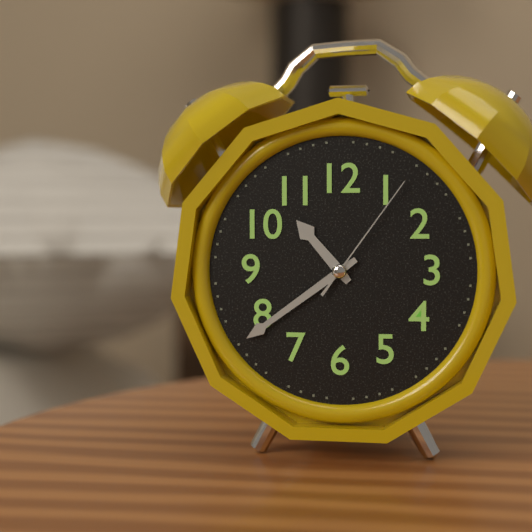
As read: 10.39.06
